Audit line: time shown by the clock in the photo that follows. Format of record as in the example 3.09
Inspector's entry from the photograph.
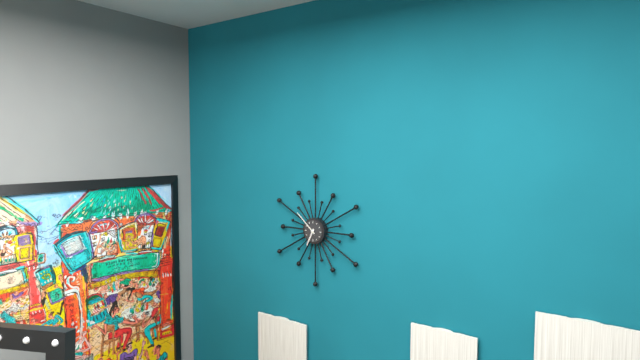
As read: 6.52
